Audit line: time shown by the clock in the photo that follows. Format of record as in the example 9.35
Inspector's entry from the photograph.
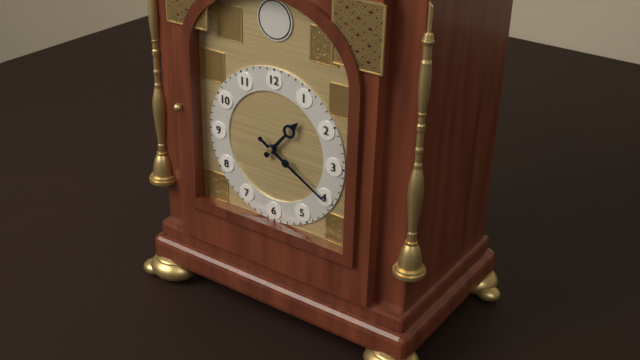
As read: 1.20
